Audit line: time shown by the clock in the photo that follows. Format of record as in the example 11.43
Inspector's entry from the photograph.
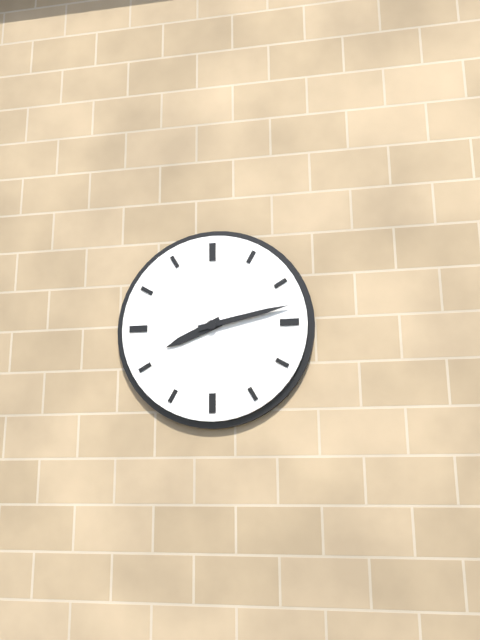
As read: 8.13
